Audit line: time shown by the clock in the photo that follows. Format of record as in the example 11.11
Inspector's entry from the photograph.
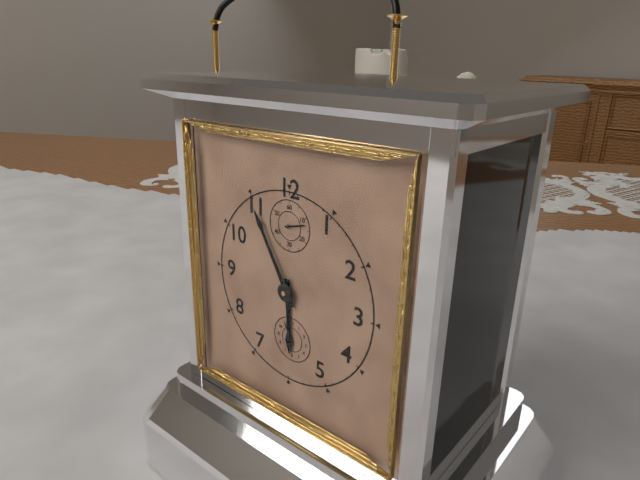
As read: 5.55
